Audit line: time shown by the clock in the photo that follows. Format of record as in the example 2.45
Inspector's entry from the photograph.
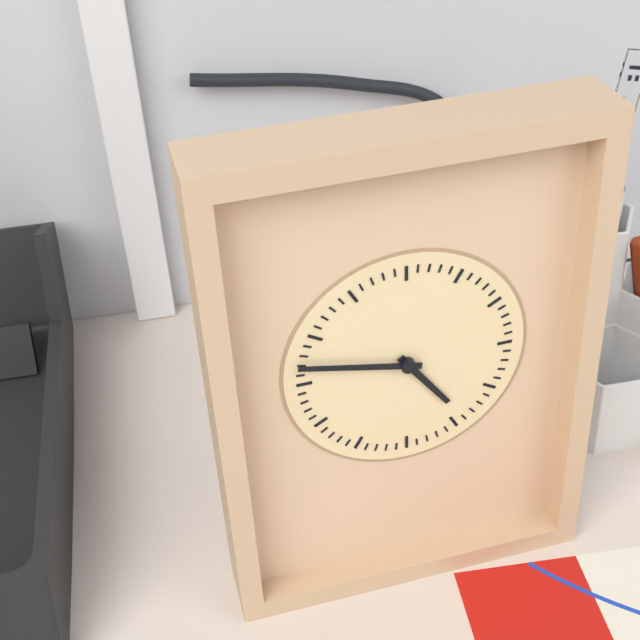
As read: 4.47
